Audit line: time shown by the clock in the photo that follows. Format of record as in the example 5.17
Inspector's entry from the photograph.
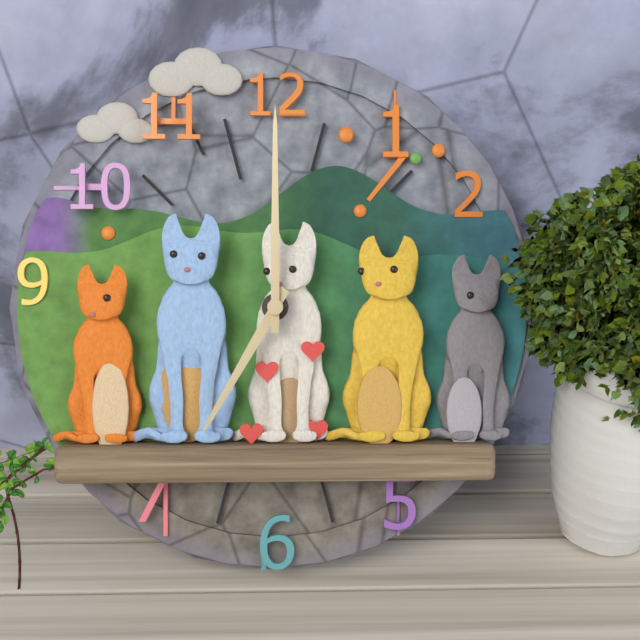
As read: 7.00
